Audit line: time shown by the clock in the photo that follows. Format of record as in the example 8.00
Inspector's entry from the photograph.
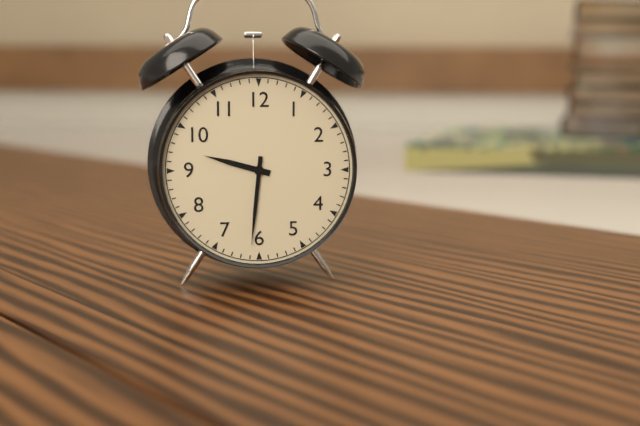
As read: 9.31
